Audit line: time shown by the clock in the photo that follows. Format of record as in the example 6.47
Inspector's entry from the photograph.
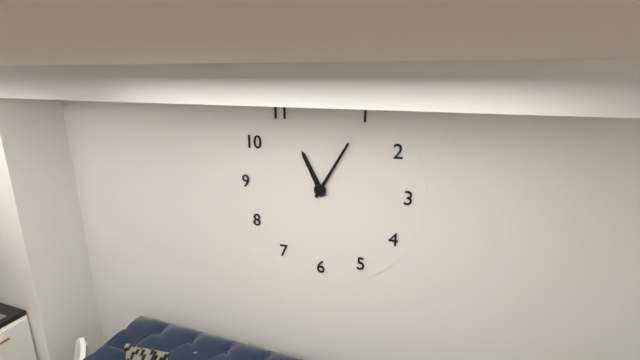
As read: 11.05
